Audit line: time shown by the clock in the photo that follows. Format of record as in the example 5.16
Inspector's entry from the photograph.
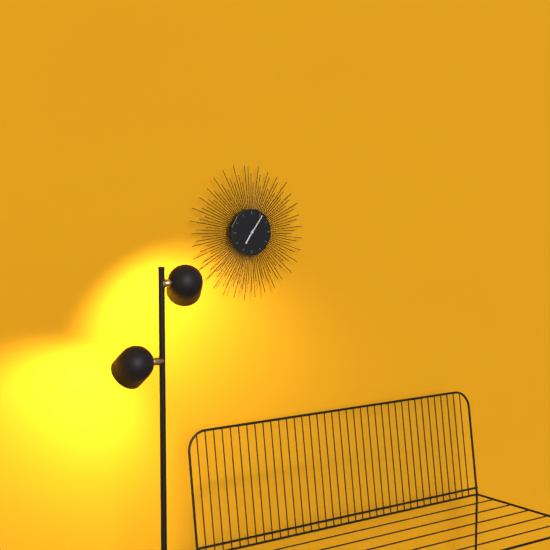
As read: 7.06
